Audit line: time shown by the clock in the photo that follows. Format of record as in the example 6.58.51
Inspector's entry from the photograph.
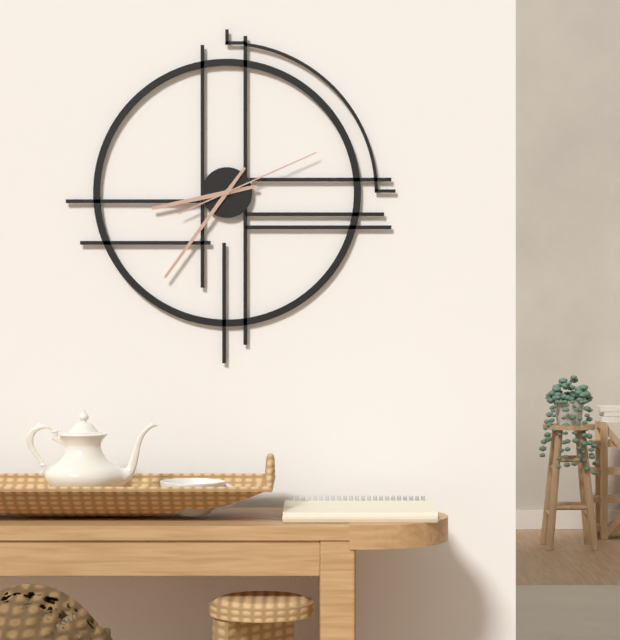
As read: 8.36.11
